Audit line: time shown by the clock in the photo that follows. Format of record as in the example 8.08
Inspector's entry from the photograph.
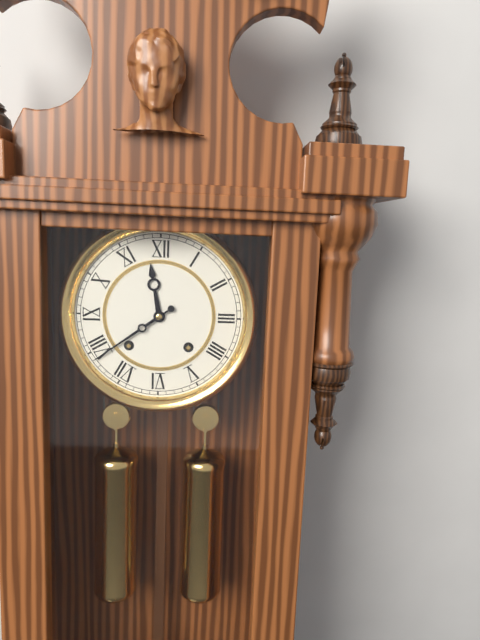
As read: 11.39
